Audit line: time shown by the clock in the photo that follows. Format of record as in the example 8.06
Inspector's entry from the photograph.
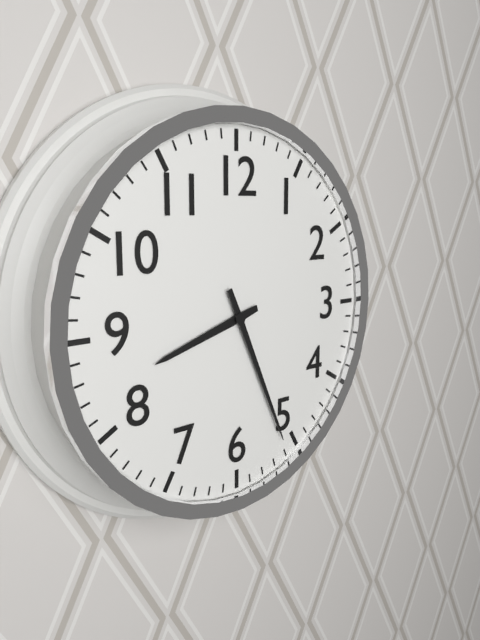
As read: 8.26
